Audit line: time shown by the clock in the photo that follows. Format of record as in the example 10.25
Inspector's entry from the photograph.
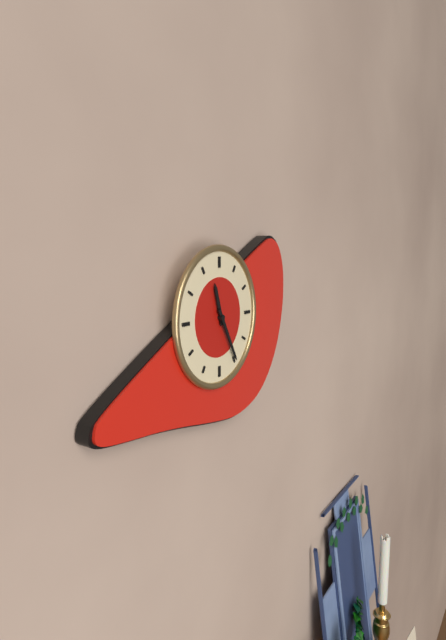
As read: 11.25
